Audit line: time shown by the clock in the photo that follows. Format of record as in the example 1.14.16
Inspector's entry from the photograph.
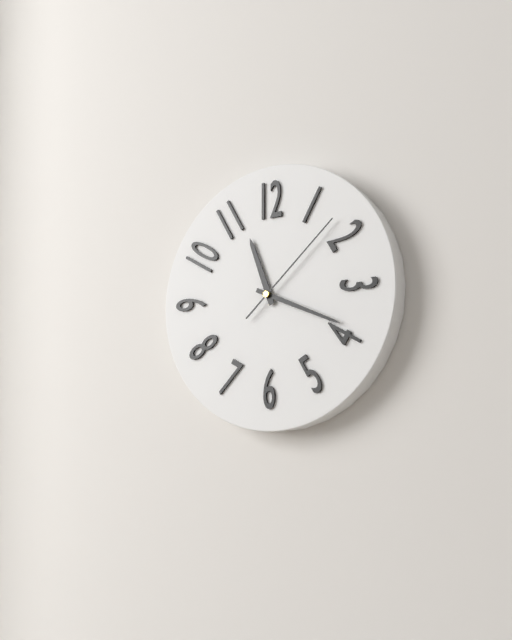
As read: 11.19.08
